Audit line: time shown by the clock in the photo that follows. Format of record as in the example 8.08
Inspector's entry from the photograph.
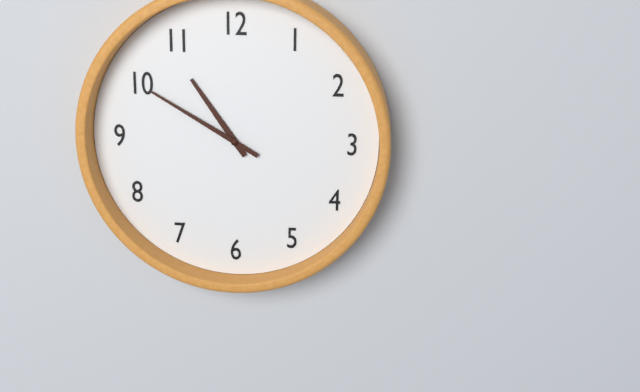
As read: 10.50
